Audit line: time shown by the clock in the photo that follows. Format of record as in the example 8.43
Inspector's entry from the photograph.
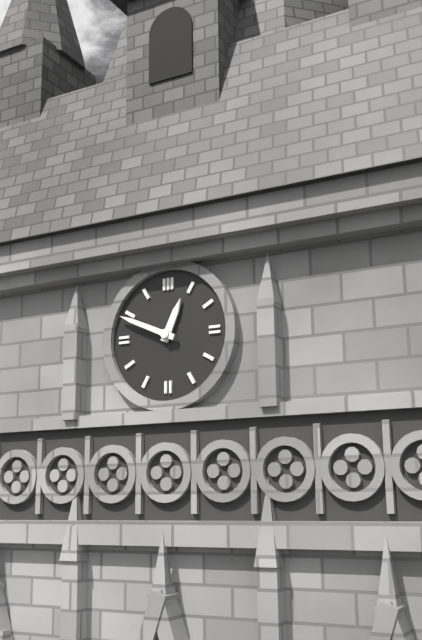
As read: 12.49
